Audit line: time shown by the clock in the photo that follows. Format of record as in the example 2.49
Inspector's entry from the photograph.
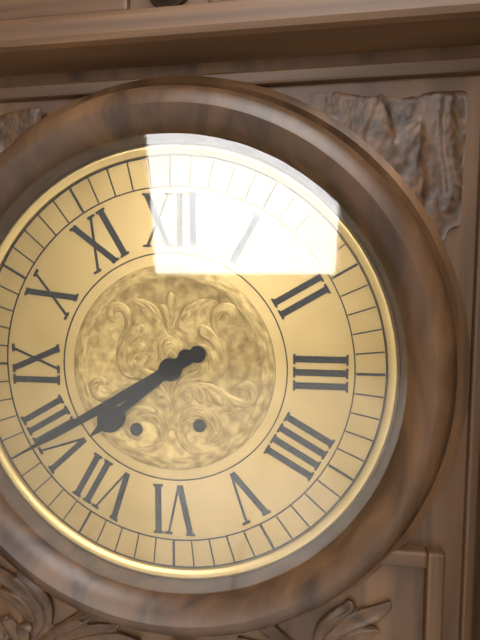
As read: 7.40
